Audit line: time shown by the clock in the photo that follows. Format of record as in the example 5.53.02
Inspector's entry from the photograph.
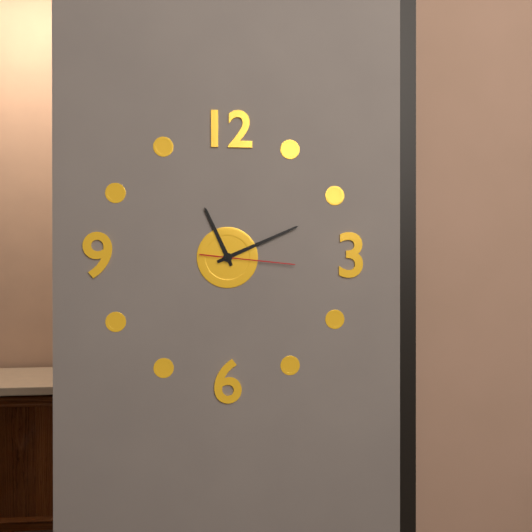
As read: 11.11.16
